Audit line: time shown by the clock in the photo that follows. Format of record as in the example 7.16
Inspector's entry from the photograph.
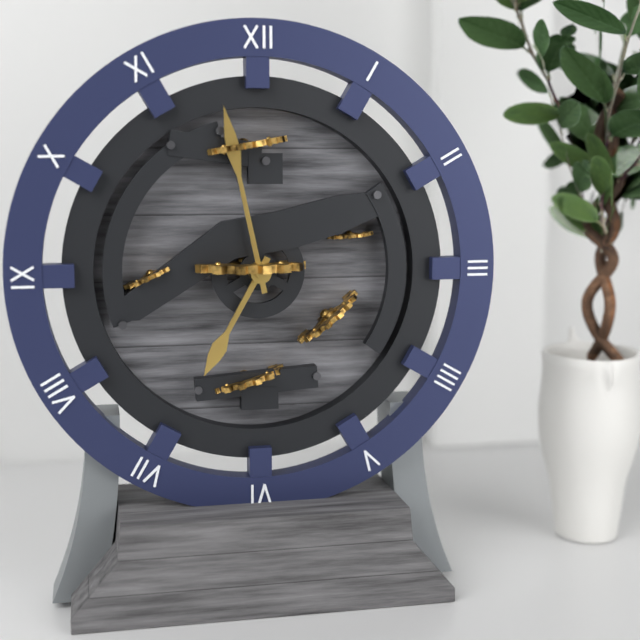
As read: 6.58
